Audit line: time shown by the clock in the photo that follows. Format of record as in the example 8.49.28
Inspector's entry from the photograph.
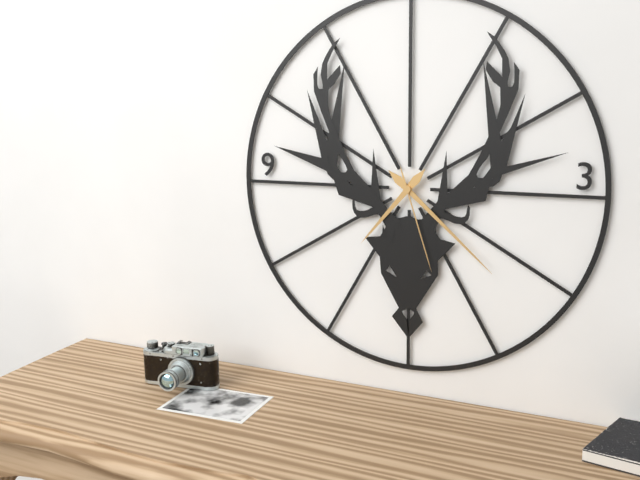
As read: 7.22.27
